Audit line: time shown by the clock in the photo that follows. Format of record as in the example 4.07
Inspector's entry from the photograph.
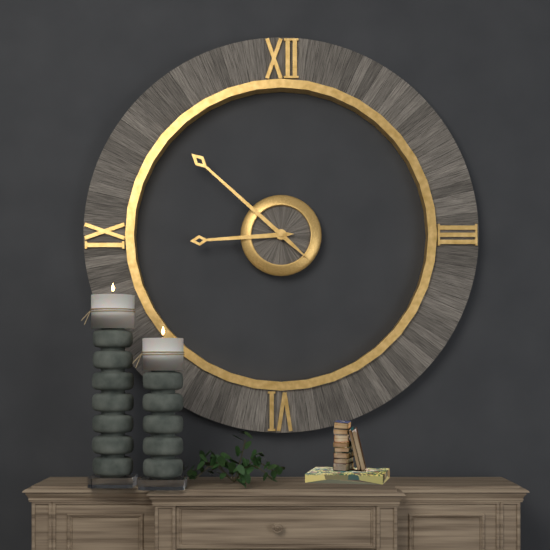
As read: 8.52
